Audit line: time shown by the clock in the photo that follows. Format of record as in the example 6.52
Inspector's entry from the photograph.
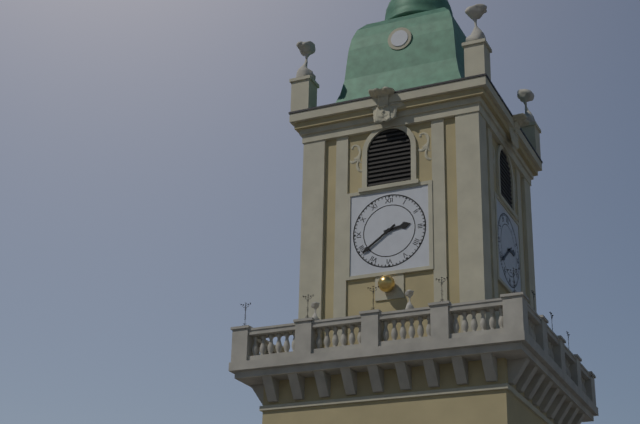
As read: 2.39
